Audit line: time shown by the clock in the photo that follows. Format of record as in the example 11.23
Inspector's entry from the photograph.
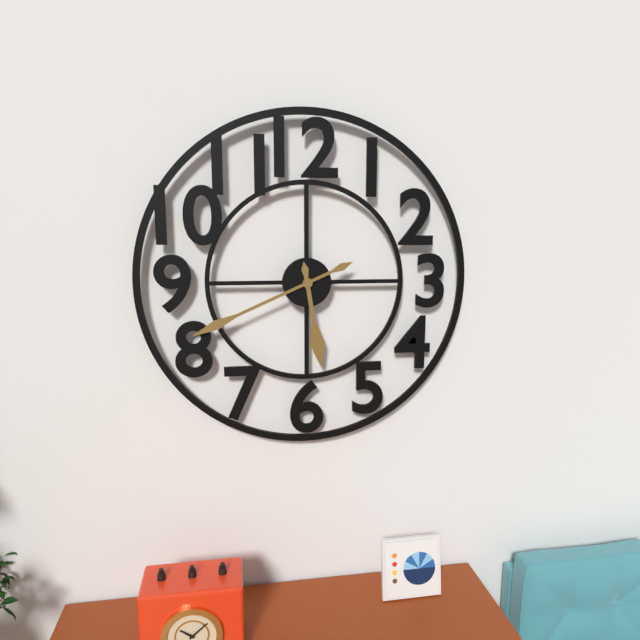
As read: 5.41
